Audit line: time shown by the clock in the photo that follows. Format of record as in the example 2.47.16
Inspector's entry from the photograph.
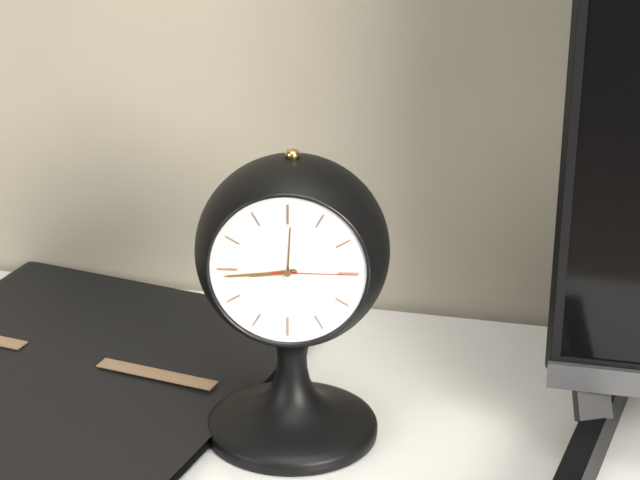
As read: 8.44.15
